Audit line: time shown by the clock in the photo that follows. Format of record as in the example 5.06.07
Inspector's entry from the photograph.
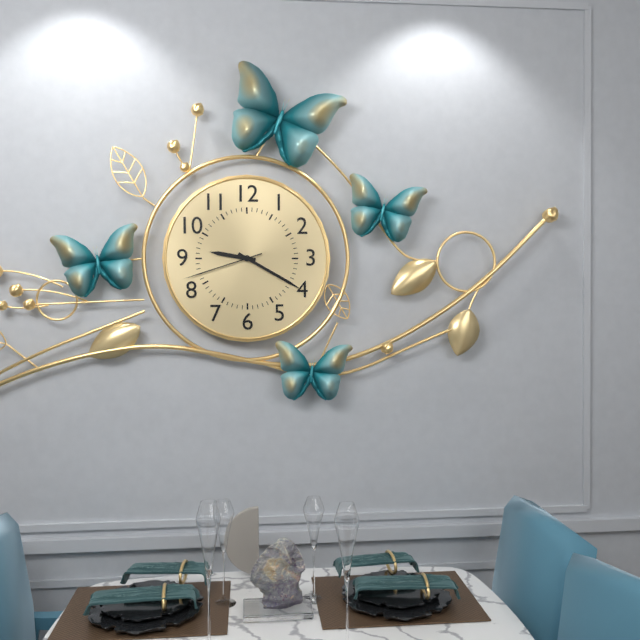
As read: 9.20.42
